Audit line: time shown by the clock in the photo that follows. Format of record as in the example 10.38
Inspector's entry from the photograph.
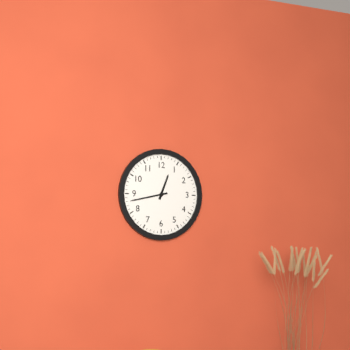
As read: 12.43
